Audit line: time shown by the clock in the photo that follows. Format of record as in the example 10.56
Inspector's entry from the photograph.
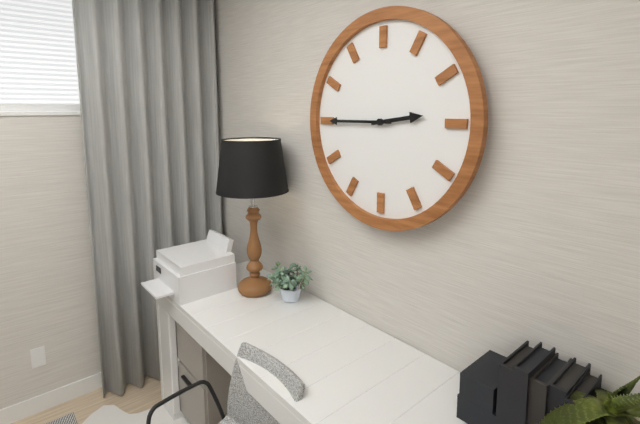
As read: 2.45
